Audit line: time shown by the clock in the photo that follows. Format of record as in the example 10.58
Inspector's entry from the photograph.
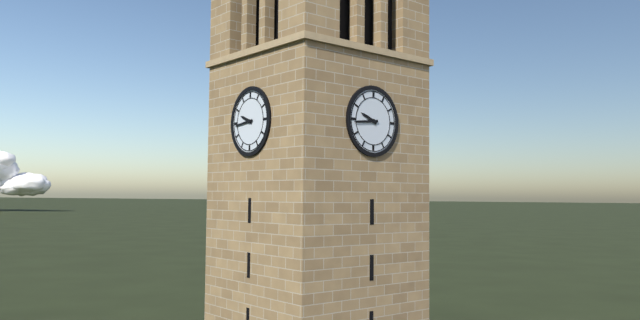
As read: 9.44
